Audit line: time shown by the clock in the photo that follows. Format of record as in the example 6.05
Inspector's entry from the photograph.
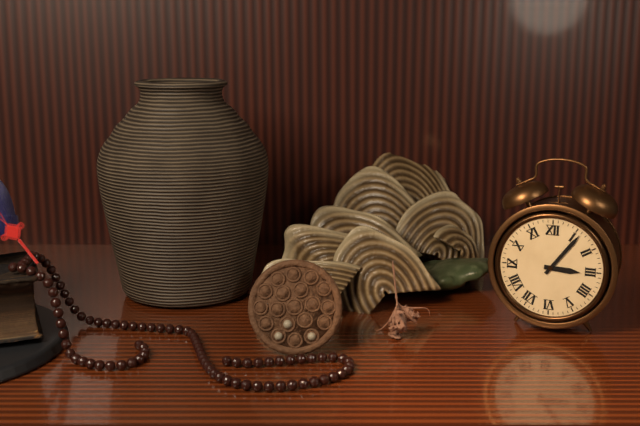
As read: 3.06
